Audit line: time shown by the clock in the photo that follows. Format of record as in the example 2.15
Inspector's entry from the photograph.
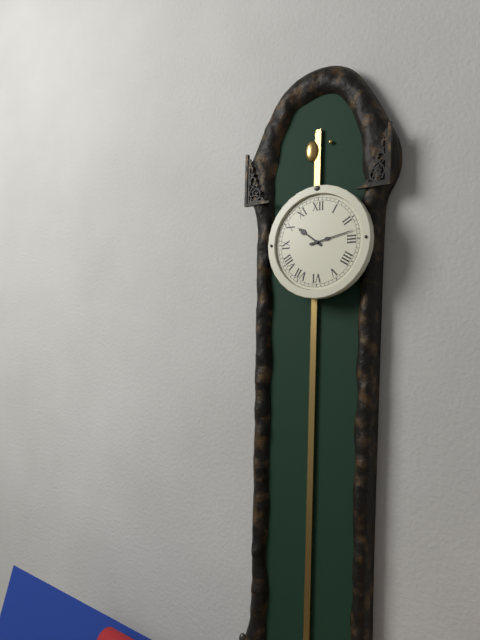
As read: 10.13
